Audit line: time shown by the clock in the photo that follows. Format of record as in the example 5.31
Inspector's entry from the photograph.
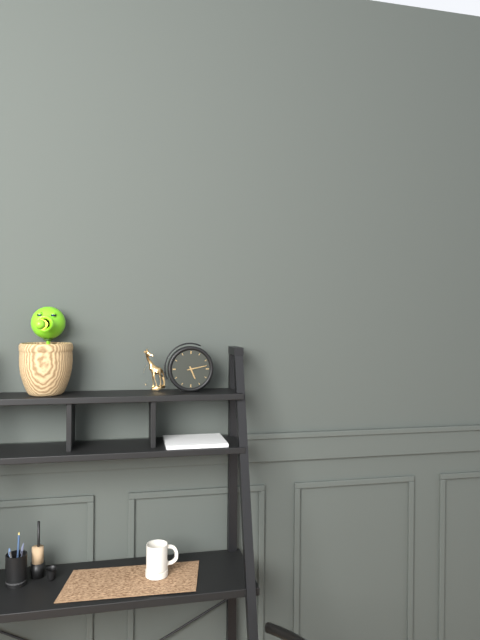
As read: 5.13
